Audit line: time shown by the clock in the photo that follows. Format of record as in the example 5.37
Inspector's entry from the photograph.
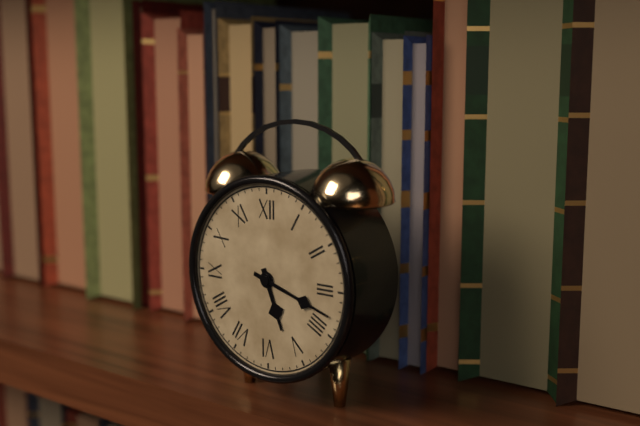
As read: 5.18
